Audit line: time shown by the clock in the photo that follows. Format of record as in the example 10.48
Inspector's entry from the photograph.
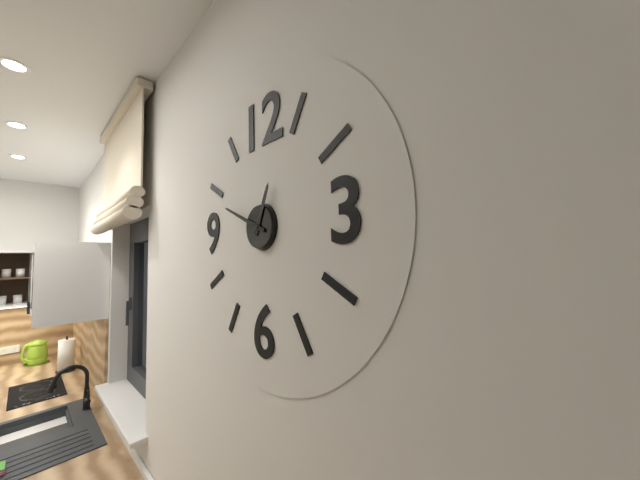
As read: 12.49
